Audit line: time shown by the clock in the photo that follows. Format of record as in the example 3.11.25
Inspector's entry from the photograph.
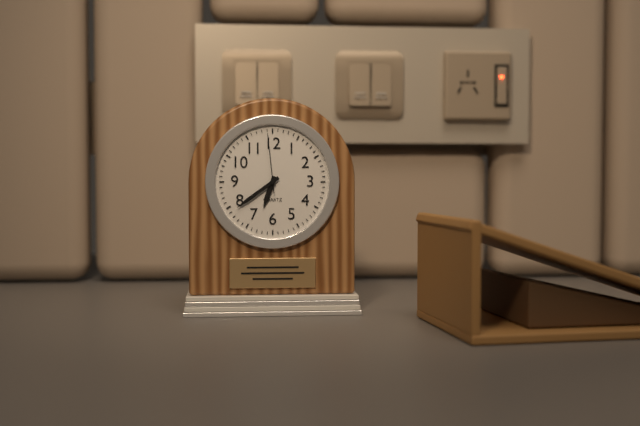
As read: 6.39.59
